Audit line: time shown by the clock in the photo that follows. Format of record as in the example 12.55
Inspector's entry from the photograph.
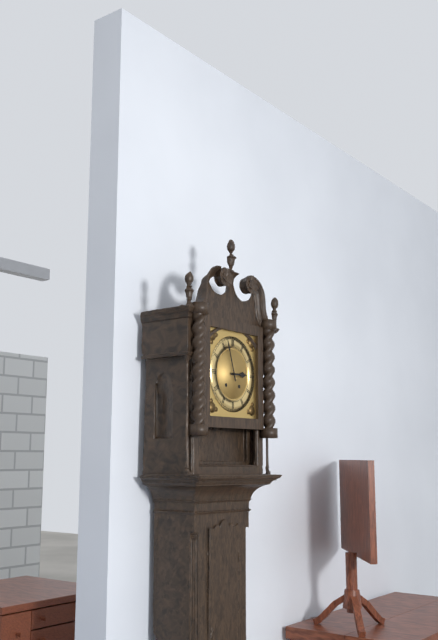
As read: 2.57
